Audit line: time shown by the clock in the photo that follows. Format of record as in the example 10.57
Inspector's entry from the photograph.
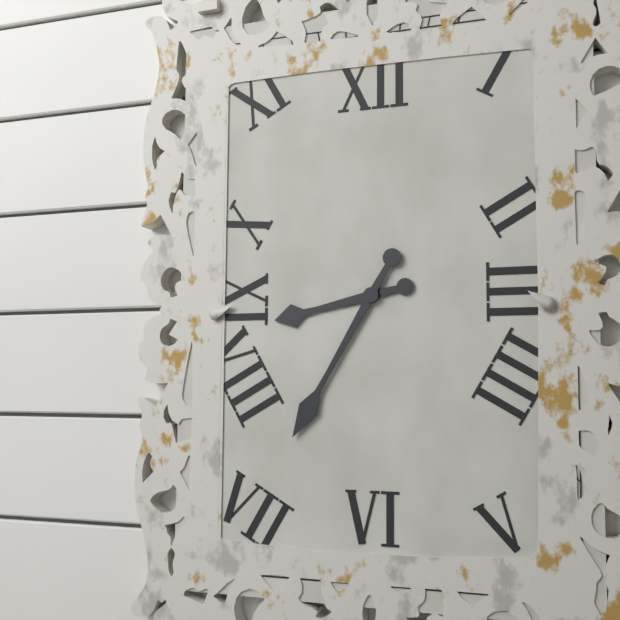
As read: 8.35
